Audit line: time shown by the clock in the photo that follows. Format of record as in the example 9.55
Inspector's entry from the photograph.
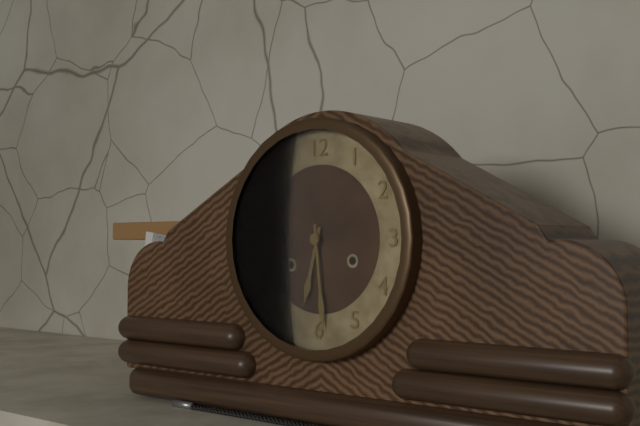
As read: 6.29
